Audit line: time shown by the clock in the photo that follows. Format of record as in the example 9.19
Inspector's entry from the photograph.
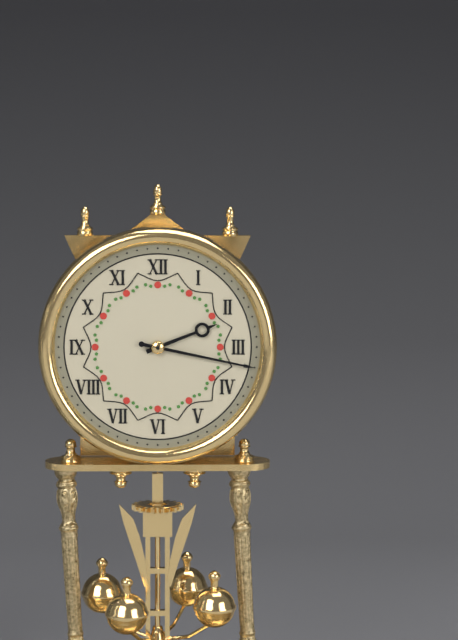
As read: 2.17
